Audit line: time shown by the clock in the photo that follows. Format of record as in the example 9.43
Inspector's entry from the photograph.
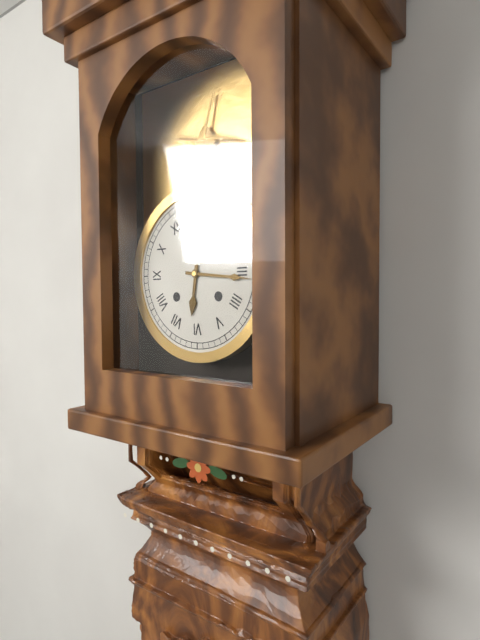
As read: 6.16
